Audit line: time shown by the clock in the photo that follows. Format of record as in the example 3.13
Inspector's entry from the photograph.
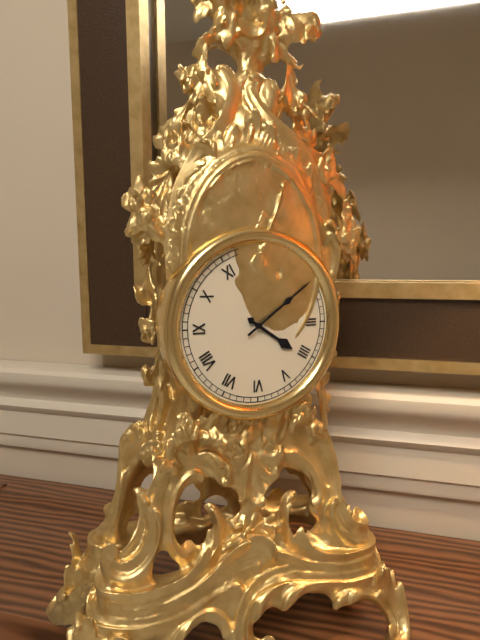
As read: 4.09
